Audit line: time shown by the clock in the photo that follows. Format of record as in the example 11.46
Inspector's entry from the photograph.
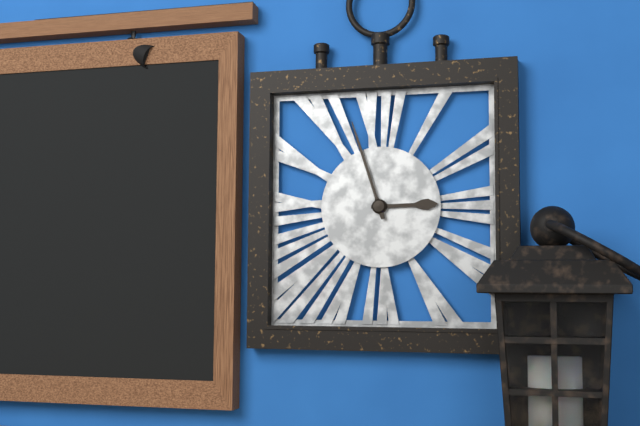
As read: 2.57
